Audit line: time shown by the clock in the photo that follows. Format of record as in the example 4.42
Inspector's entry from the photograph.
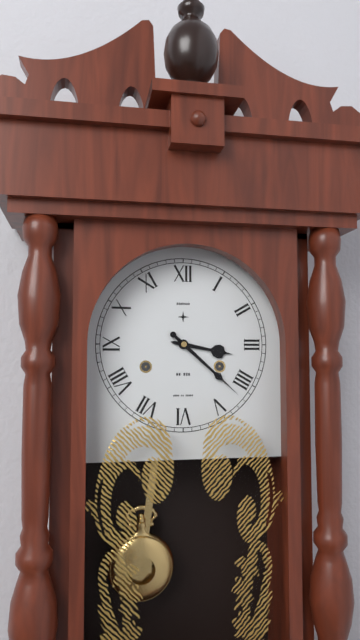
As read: 3.22
